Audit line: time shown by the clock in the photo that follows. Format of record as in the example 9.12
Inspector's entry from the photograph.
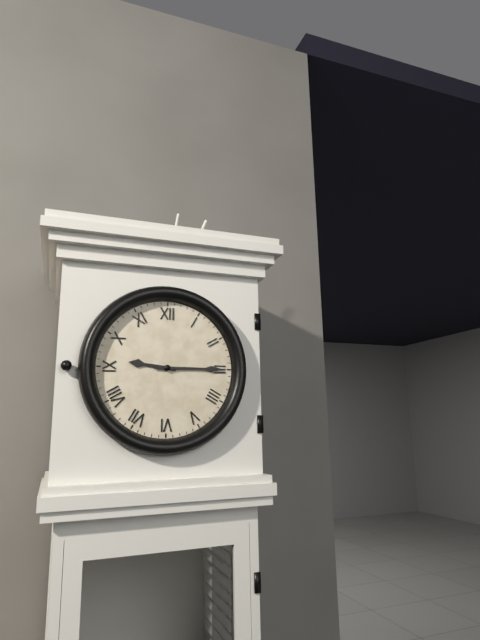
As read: 9.15
